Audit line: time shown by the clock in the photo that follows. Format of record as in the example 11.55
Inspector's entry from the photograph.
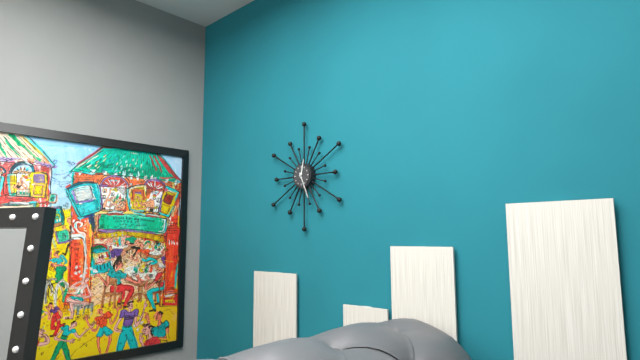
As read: 12.26
